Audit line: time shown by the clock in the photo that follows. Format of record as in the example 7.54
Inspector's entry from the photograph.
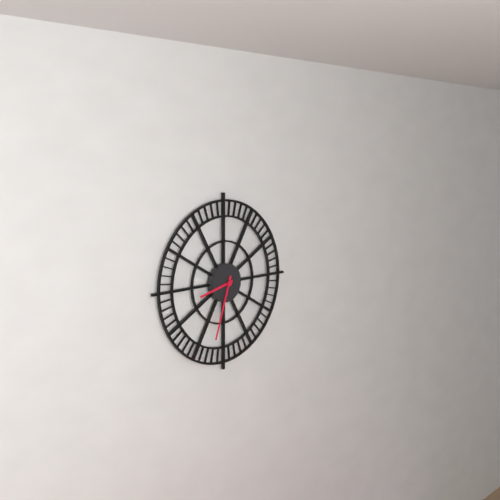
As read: 8.33
